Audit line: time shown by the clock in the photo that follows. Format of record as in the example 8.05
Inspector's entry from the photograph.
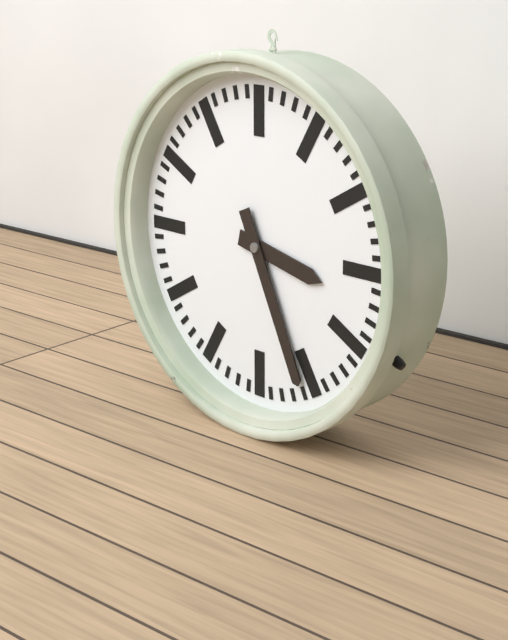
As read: 3.26
